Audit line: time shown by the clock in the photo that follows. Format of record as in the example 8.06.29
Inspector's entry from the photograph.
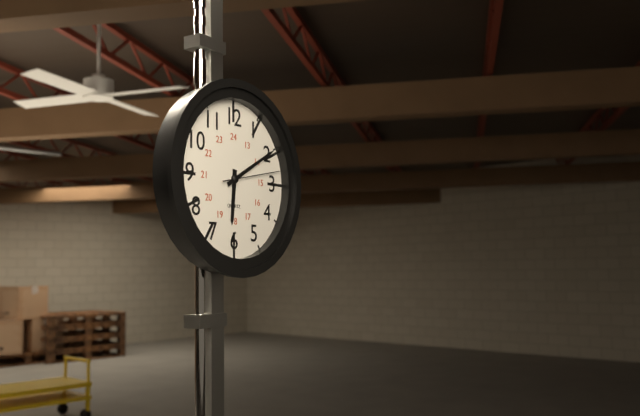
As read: 6.10.13
